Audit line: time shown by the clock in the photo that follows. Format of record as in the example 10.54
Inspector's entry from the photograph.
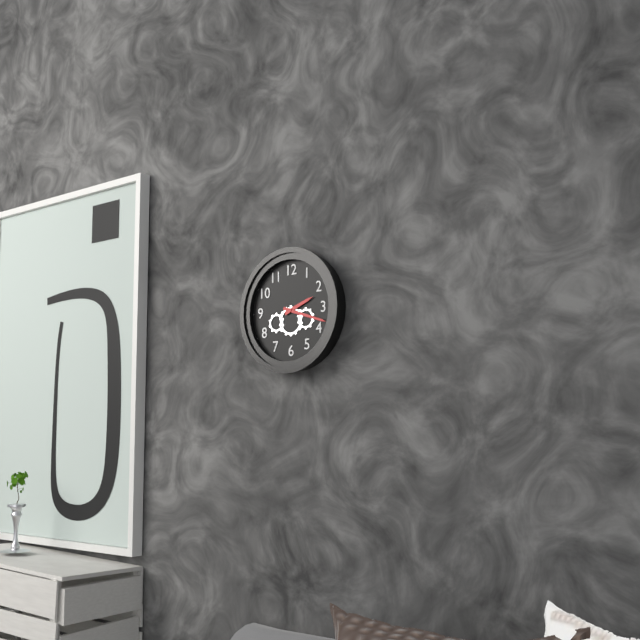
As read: 2.18
